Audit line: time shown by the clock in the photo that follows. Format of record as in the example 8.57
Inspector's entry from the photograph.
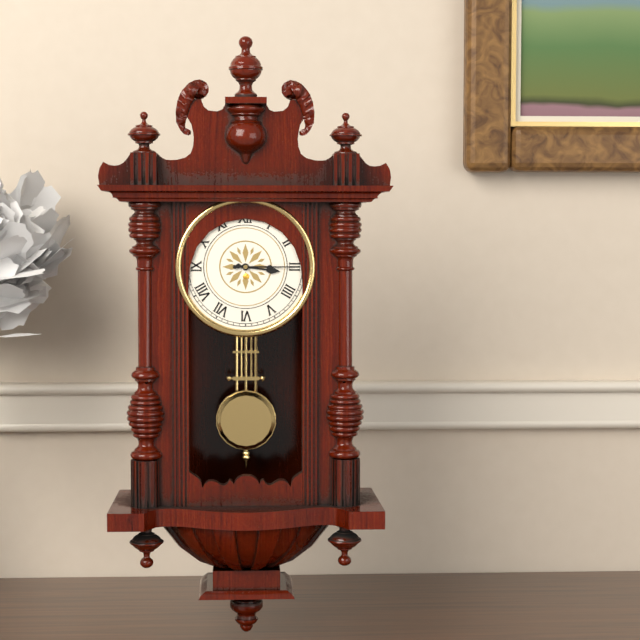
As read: 3.15
